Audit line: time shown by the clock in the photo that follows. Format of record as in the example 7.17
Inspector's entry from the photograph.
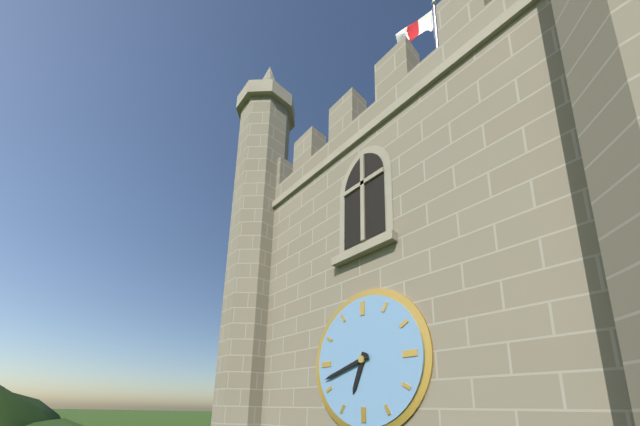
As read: 6.42
